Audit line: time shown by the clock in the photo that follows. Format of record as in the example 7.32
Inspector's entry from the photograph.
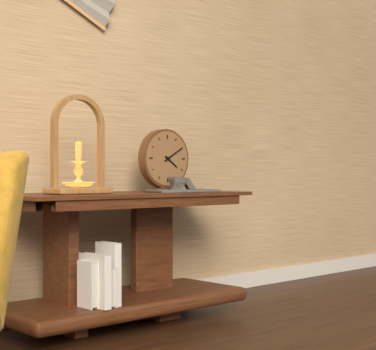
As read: 4.10
